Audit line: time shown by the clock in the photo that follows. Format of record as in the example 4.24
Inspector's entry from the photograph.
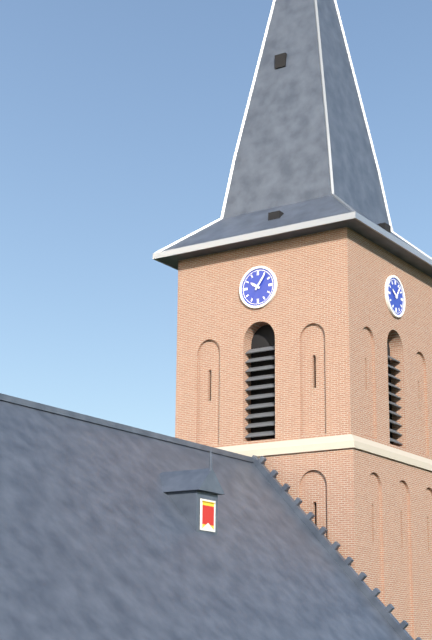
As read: 10.06
